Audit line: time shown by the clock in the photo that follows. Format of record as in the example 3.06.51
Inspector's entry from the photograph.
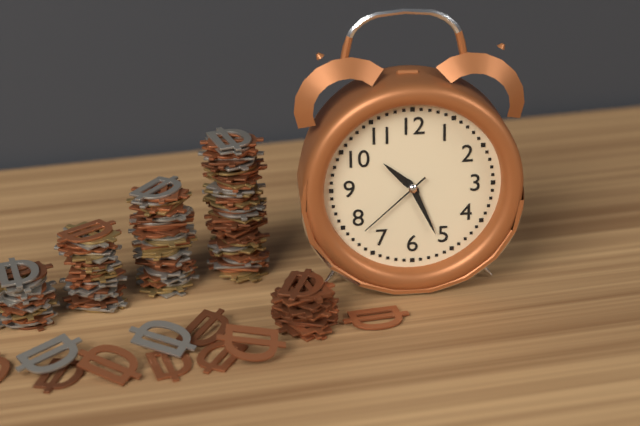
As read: 10.26.38
